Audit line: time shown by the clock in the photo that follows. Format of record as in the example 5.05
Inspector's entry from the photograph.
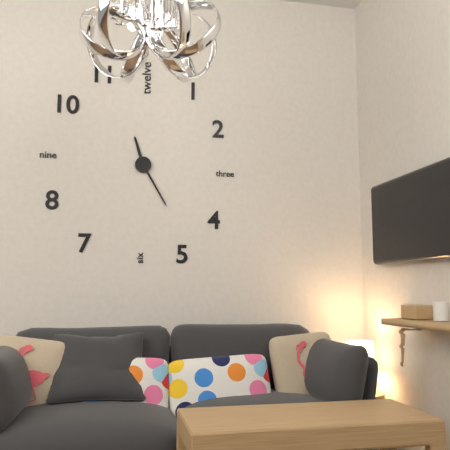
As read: 11.25
